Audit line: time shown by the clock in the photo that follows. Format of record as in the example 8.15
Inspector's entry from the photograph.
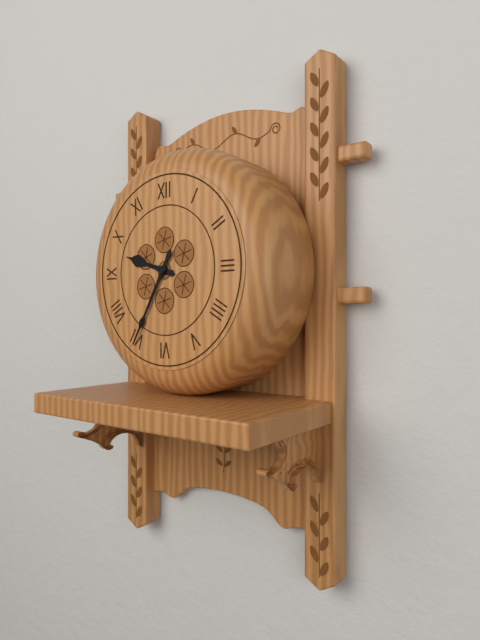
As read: 9.35
